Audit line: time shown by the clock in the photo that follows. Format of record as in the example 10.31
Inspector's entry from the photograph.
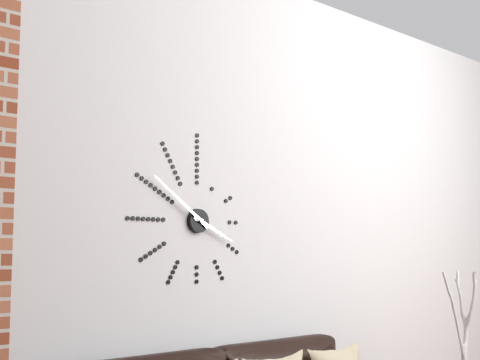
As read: 3.51
